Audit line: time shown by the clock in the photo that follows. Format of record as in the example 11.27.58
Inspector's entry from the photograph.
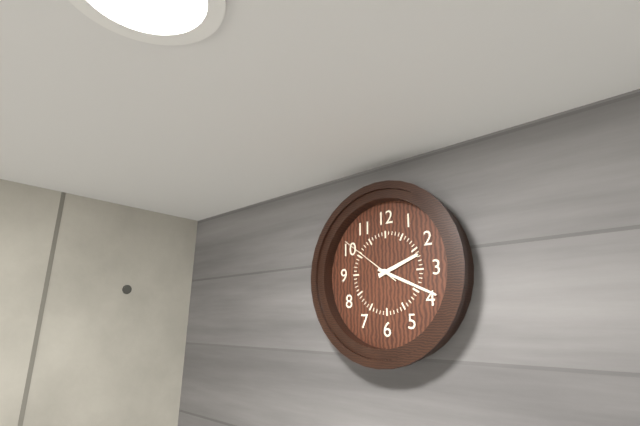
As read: 2.19.51
